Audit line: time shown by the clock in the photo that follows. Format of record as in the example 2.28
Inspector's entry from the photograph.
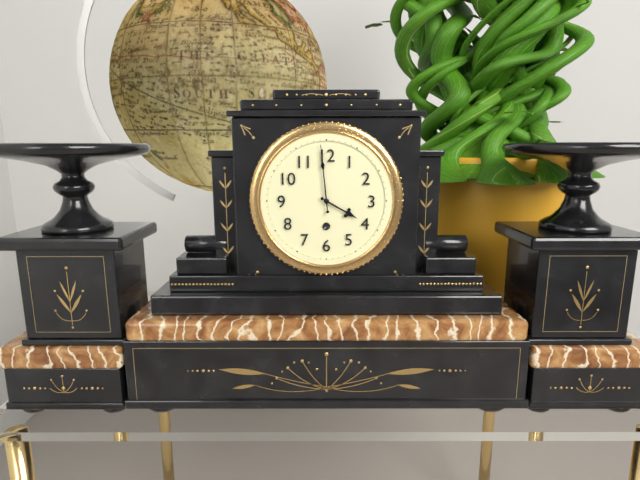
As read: 3.59
